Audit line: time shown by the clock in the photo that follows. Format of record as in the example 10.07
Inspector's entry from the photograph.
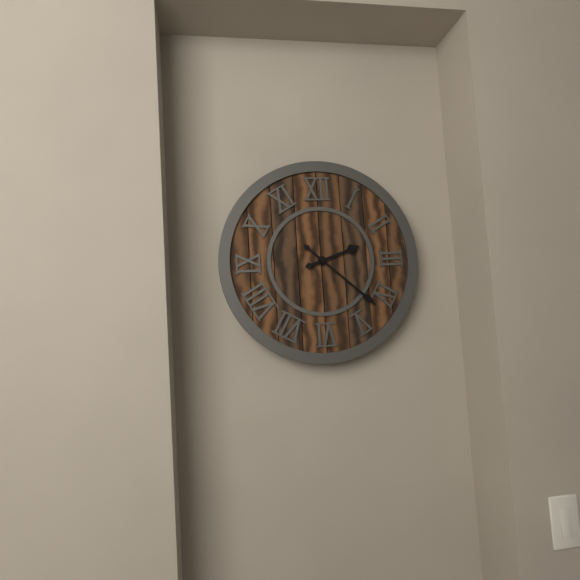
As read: 2.22
